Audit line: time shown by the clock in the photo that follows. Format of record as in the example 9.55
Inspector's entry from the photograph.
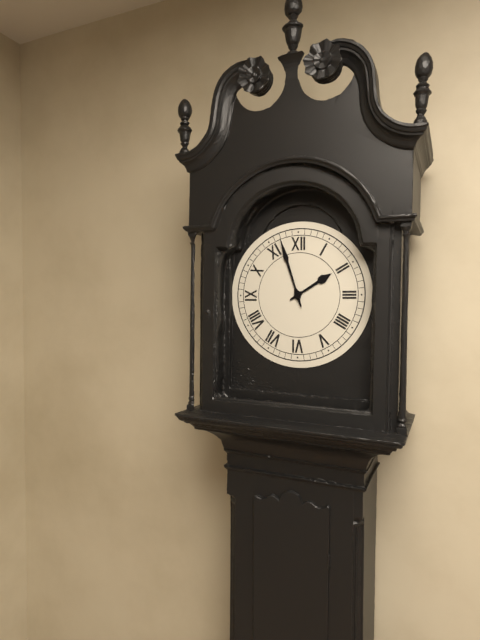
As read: 1.57
